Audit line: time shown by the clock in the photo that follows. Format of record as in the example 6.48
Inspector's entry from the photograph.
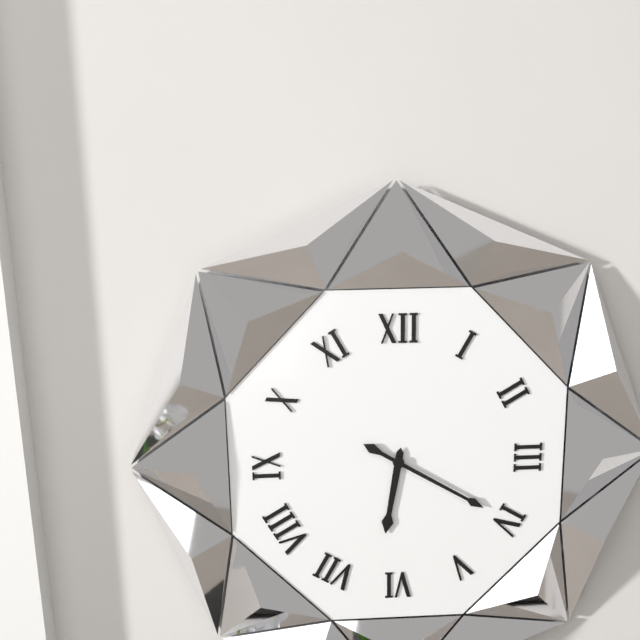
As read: 6.20
